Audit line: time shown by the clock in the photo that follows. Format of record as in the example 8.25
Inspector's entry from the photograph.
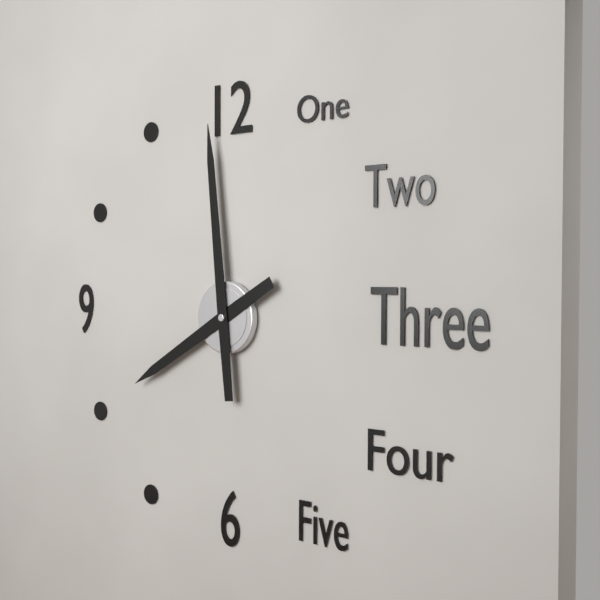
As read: 7.59
